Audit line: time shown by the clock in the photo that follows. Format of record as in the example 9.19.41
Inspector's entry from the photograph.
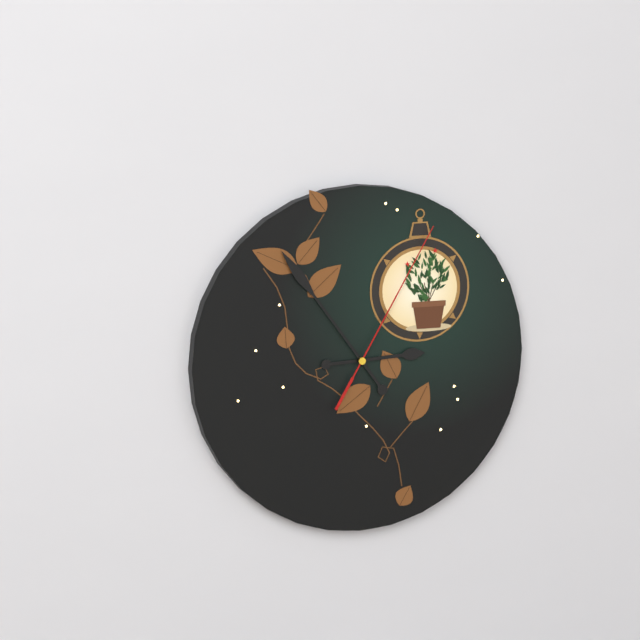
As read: 2.54.05
